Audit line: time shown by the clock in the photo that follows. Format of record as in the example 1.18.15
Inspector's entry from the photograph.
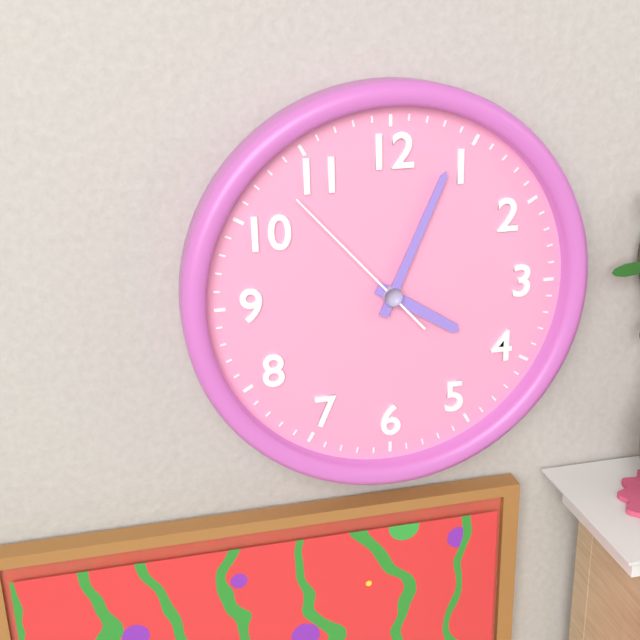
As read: 4.04.53
